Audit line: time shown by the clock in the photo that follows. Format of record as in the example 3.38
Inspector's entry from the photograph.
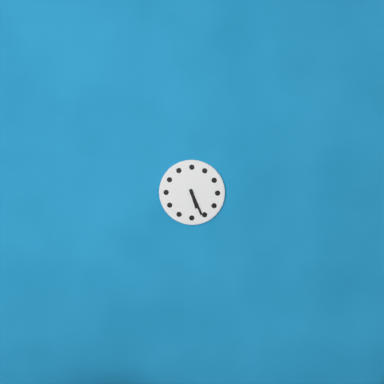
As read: 5.26
